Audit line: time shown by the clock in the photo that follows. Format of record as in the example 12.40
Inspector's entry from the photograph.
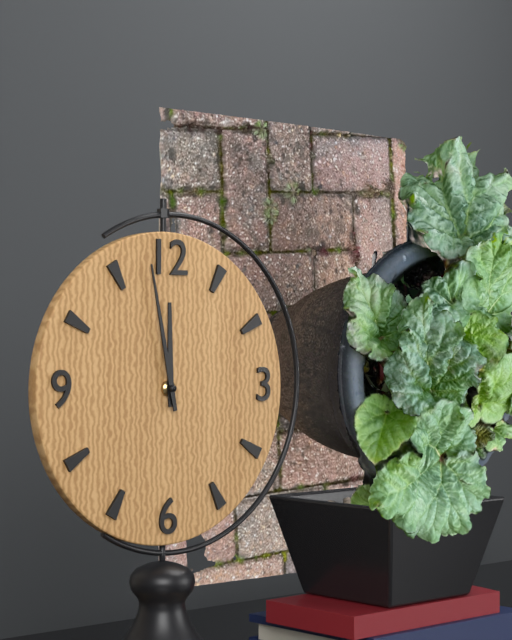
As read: 11.58
